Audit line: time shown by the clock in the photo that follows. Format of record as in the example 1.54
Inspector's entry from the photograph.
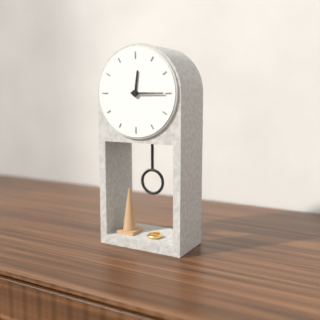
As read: 12.15
